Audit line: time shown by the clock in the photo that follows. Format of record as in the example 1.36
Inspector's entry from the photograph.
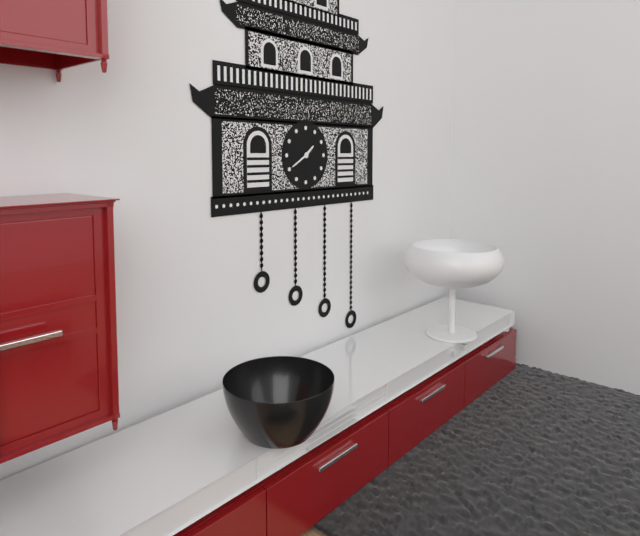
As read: 1.40
